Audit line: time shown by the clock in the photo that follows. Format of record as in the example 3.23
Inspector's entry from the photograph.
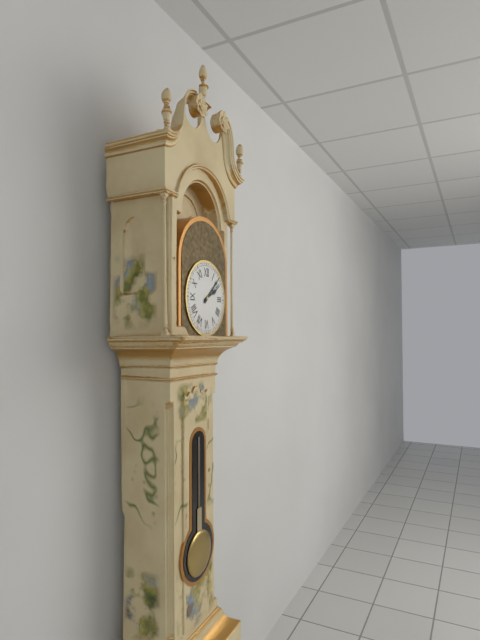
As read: 2.08
